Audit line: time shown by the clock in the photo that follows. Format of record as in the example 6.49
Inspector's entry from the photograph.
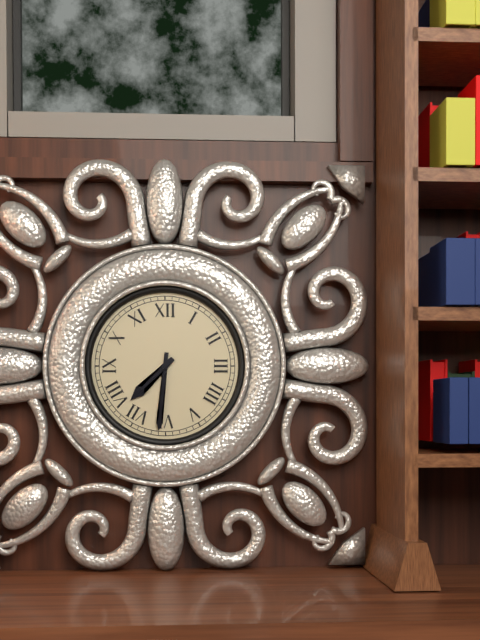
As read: 7.31
